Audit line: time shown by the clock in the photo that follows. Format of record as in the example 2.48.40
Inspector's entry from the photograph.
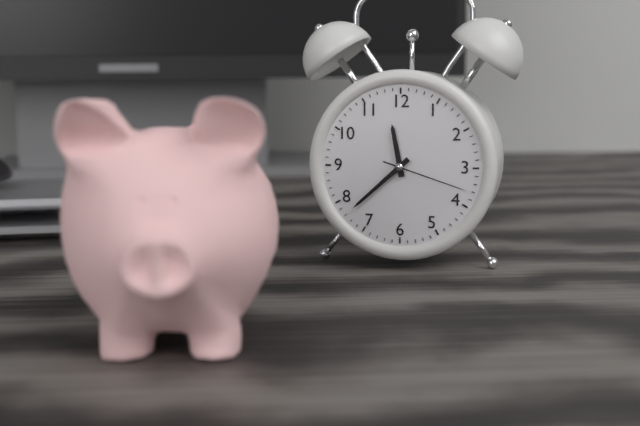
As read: 11.38.18
